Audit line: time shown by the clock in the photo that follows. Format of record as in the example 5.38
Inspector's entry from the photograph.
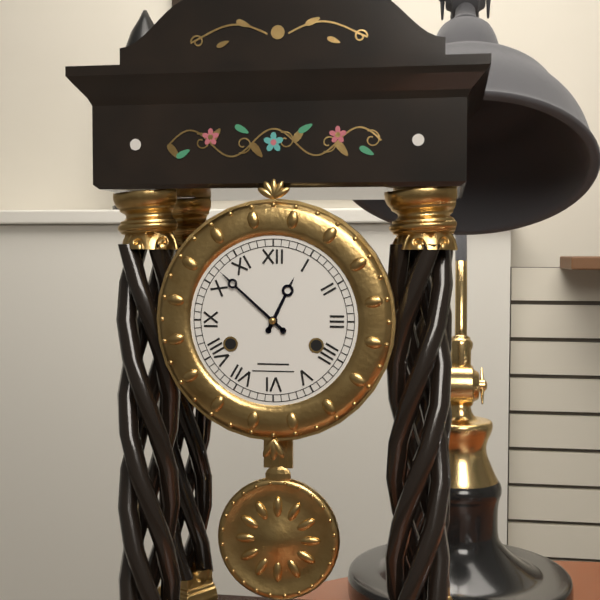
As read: 12.52
